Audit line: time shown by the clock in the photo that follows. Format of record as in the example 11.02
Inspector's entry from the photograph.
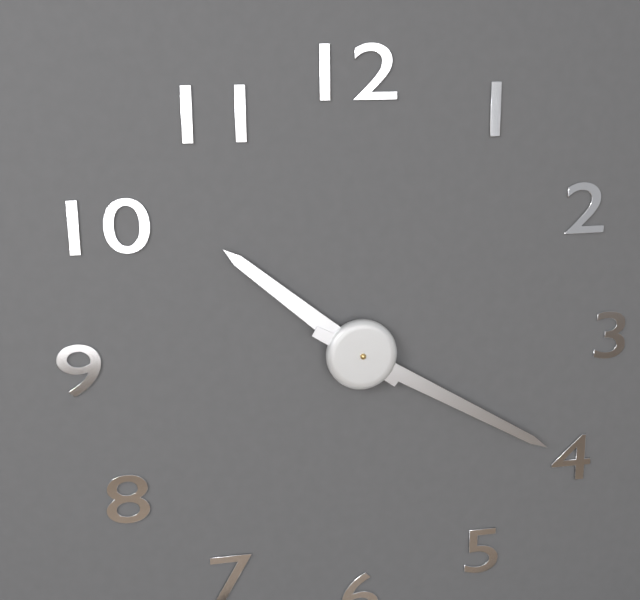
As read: 10.20
